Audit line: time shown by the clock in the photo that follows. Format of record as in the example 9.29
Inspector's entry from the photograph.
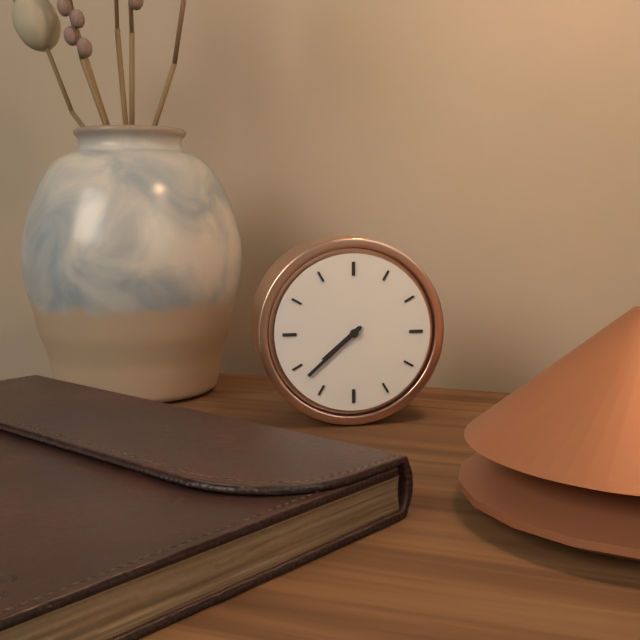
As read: 7.38
